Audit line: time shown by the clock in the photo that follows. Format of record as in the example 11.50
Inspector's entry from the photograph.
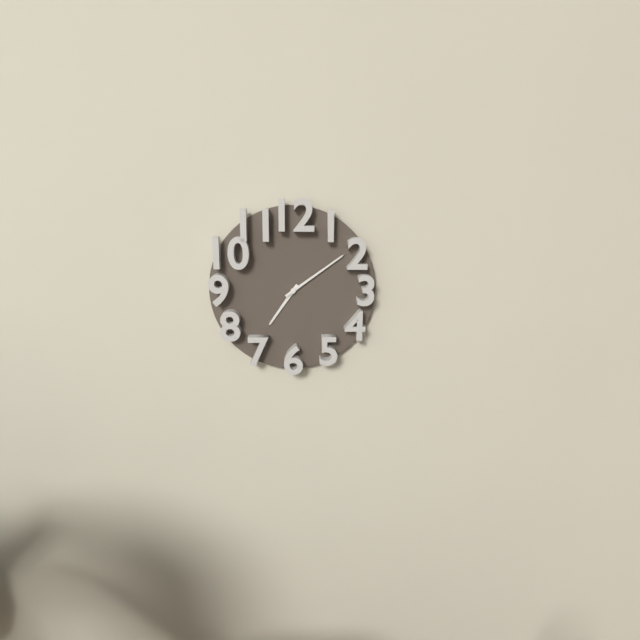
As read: 7.09
